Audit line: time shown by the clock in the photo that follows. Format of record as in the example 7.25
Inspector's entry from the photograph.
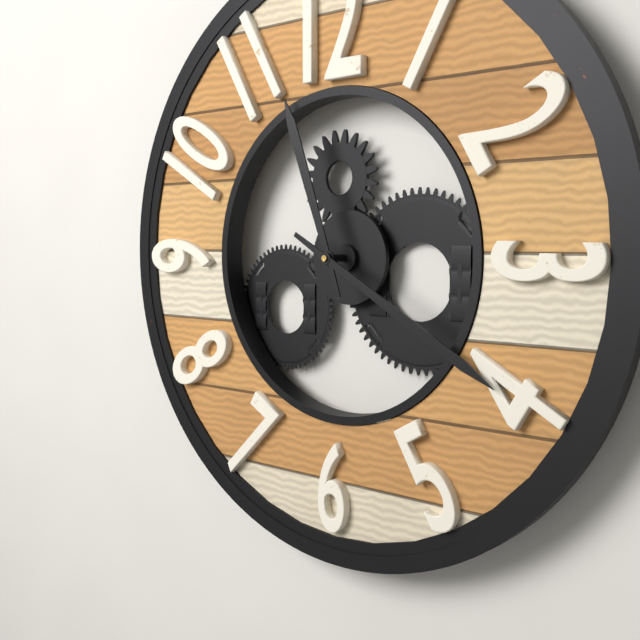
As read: 11.20
